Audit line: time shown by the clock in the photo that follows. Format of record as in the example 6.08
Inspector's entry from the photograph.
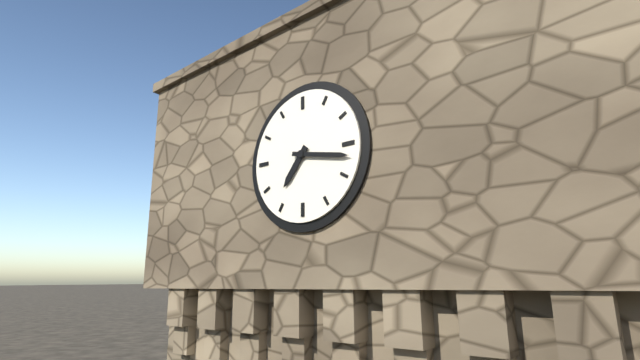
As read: 7.17
